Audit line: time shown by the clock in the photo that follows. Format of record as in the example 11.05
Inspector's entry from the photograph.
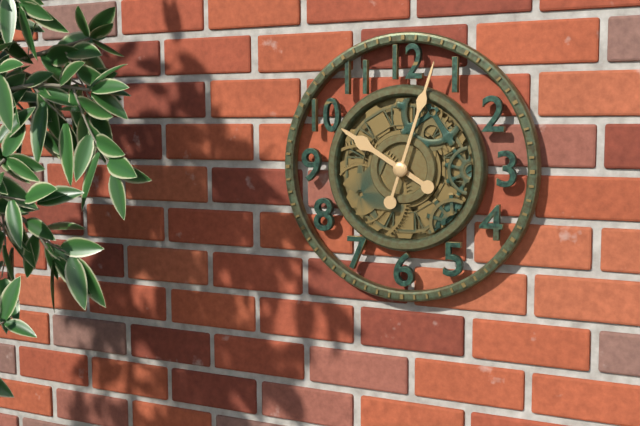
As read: 10.03
